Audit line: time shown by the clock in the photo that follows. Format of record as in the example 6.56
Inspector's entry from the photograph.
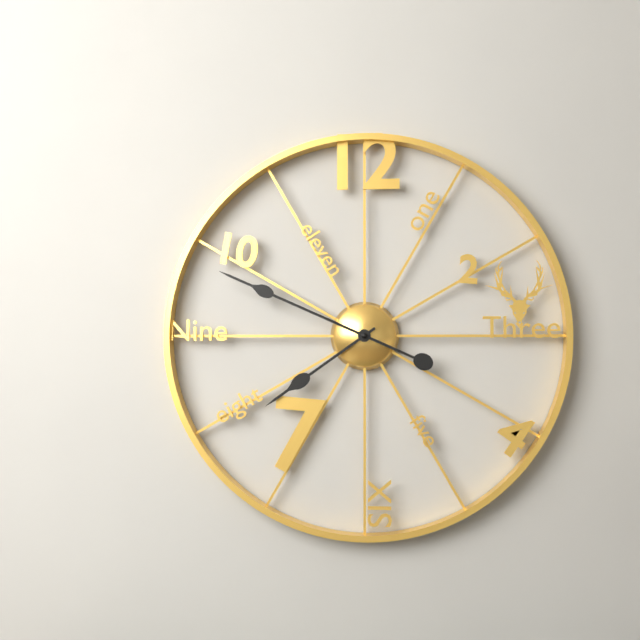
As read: 7.49
